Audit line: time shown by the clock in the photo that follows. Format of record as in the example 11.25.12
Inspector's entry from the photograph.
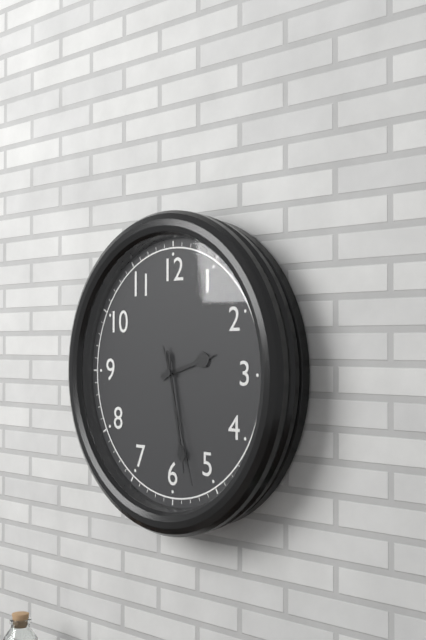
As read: 2.28.27
